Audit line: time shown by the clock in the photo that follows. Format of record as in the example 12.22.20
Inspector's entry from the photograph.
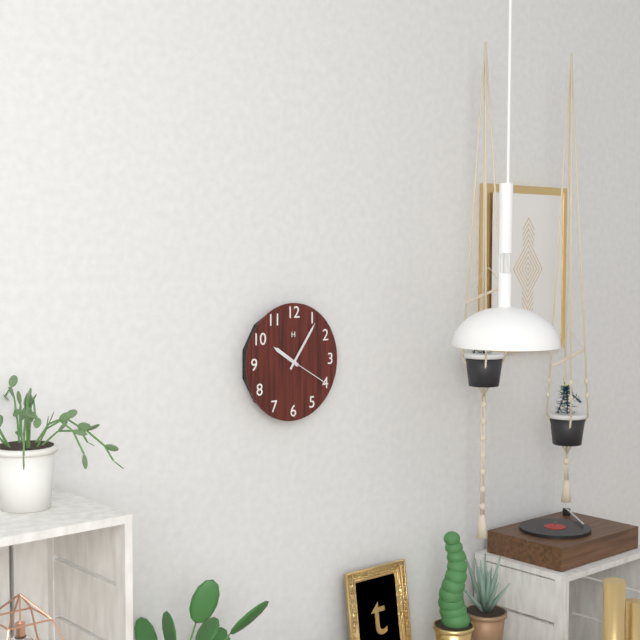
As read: 10.06.20
